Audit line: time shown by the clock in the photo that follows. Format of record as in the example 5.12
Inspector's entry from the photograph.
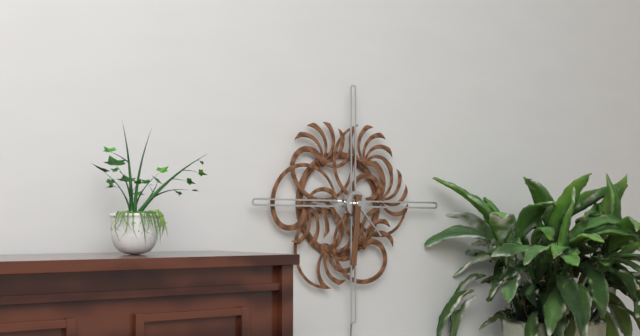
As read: 4.31
